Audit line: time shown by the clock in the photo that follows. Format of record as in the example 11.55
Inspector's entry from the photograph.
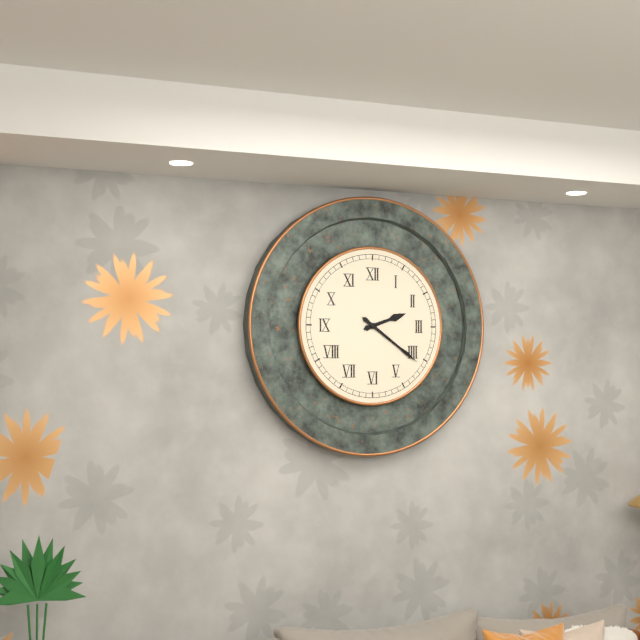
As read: 2.21
